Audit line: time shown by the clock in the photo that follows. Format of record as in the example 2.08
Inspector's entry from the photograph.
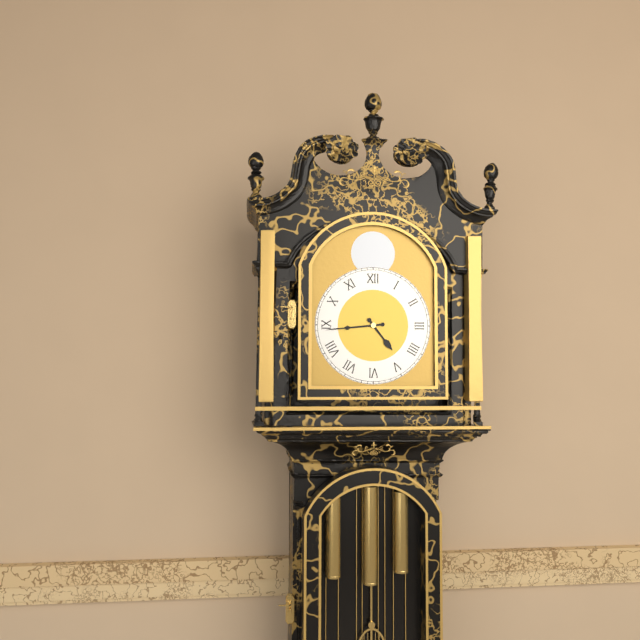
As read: 4.44
